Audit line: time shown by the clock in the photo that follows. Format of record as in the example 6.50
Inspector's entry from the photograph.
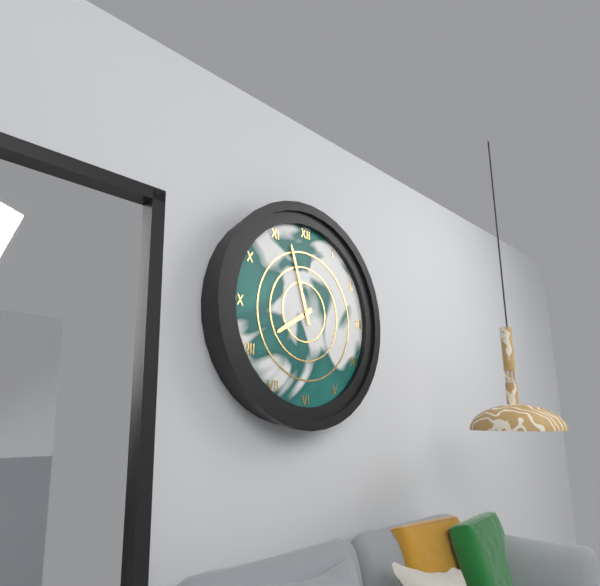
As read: 7.57
